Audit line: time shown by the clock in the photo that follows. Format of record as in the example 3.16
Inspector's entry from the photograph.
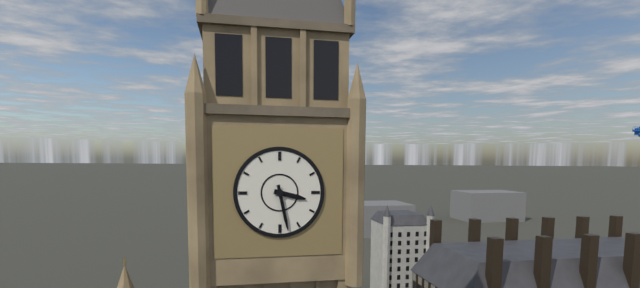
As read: 3.28
